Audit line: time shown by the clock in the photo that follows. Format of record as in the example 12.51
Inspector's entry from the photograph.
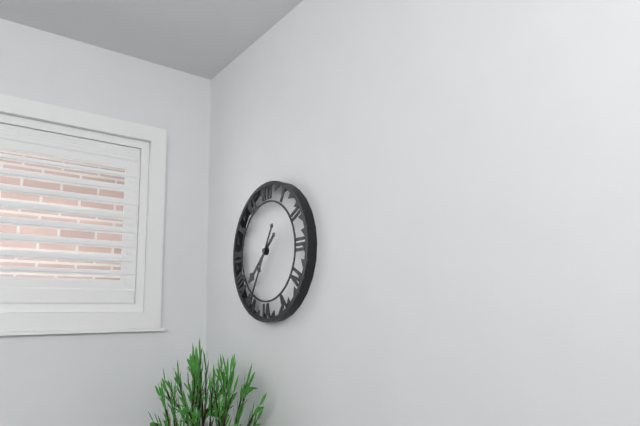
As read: 7.35
